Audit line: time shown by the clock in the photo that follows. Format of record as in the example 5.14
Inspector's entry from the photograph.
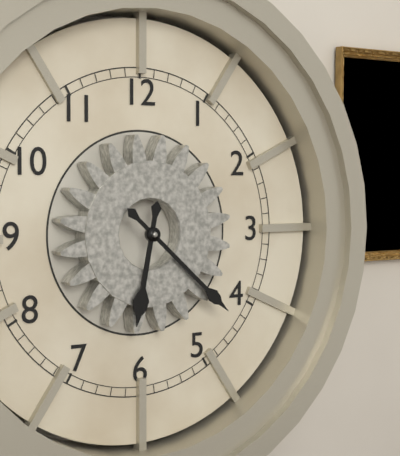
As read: 6.22
